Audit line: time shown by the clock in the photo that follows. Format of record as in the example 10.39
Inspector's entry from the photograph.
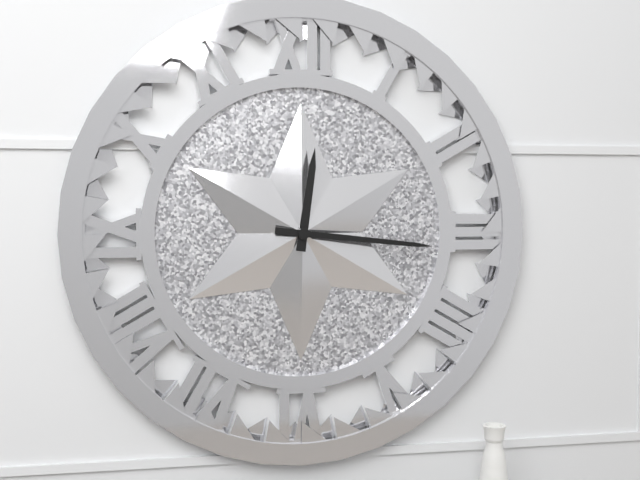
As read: 12.16
